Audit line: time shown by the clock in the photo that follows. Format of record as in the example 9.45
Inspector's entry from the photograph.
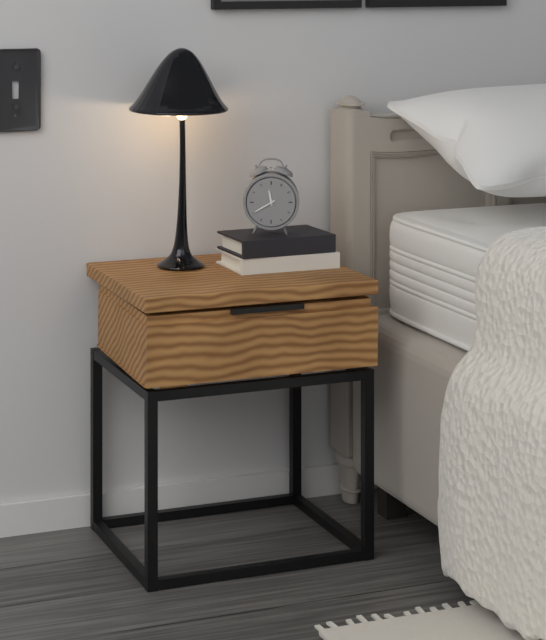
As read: 11.40
